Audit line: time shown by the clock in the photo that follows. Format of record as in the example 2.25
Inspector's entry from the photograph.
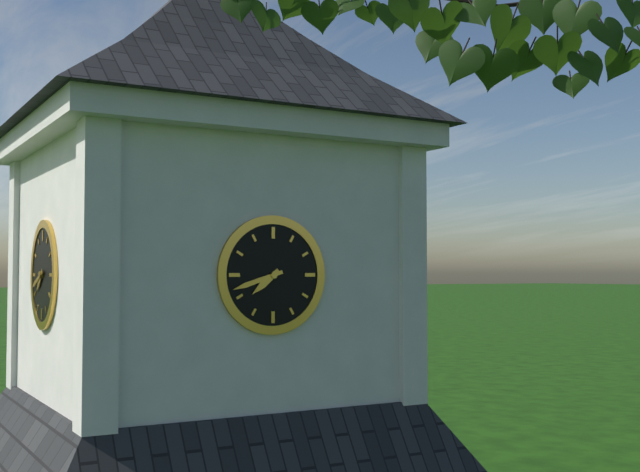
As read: 7.42
